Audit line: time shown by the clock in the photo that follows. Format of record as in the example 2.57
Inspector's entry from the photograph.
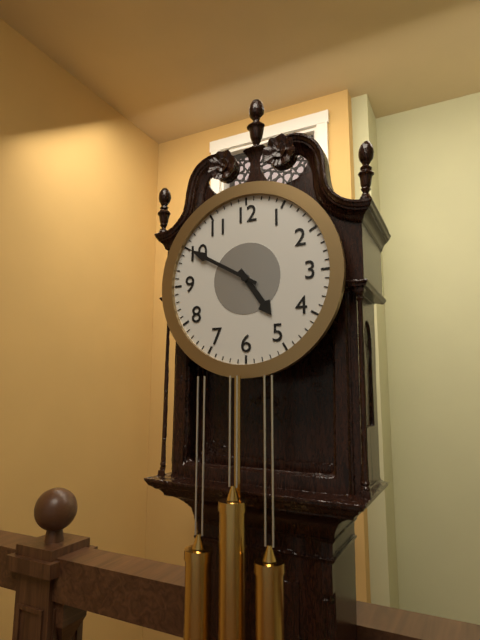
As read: 4.50
